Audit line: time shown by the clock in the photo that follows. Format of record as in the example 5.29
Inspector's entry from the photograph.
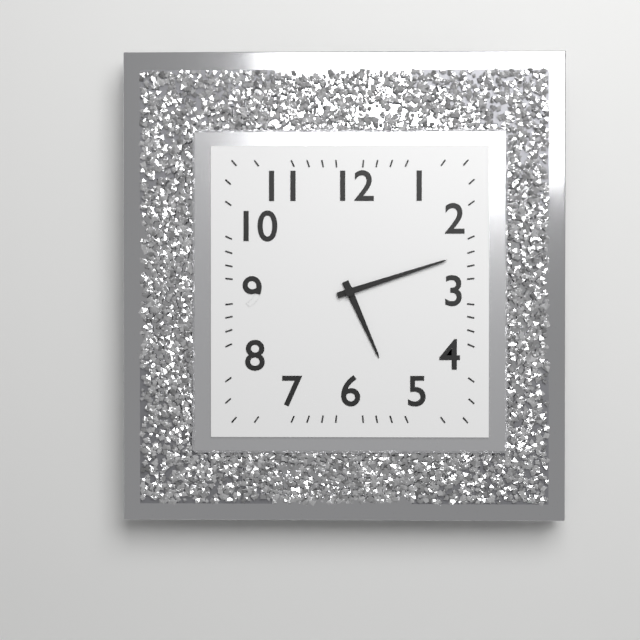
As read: 5.12
